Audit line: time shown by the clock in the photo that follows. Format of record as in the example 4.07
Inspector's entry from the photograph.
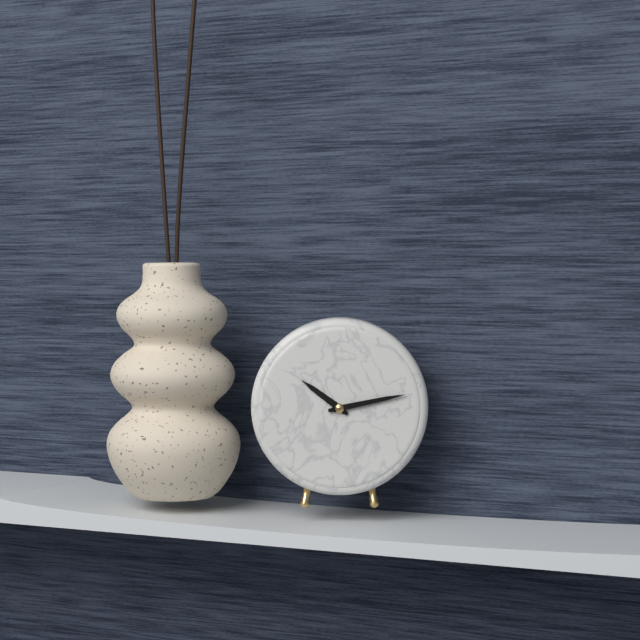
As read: 10.13
